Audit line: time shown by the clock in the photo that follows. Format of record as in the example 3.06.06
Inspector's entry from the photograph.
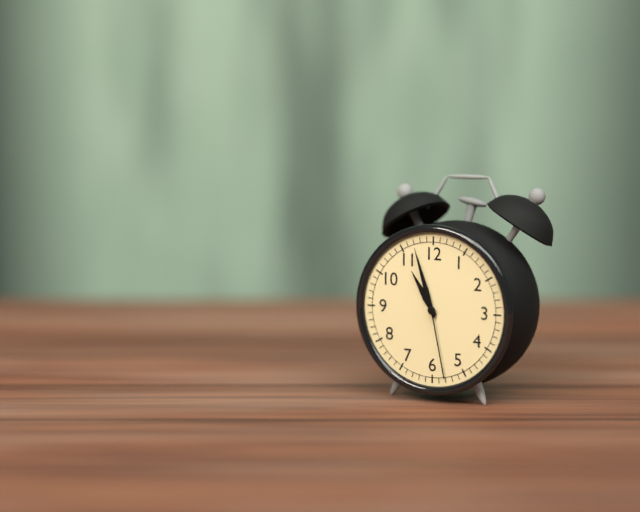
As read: 10.57.28
